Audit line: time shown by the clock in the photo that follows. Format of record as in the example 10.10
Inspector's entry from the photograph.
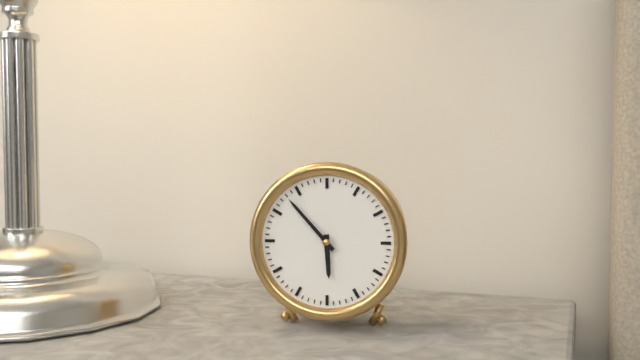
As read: 5.53
